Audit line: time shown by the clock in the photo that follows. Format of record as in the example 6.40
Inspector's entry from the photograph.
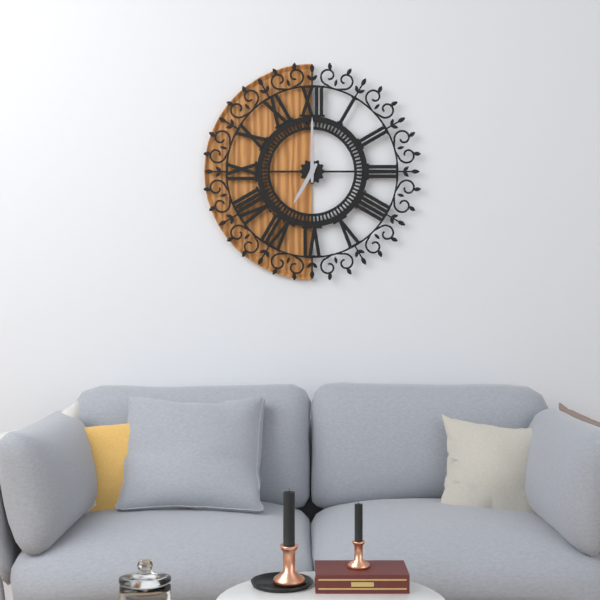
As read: 7.00
